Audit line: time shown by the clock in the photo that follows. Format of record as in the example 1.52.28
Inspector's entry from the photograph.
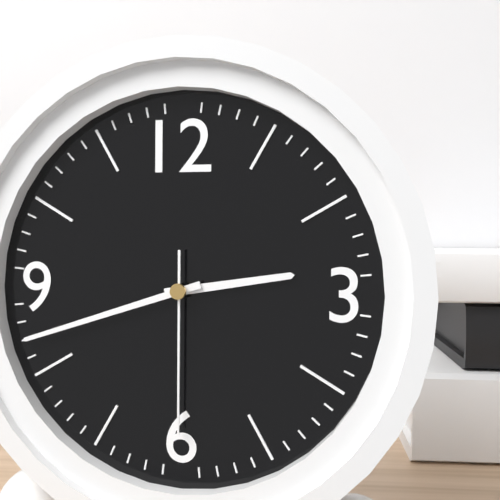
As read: 2.42.30
